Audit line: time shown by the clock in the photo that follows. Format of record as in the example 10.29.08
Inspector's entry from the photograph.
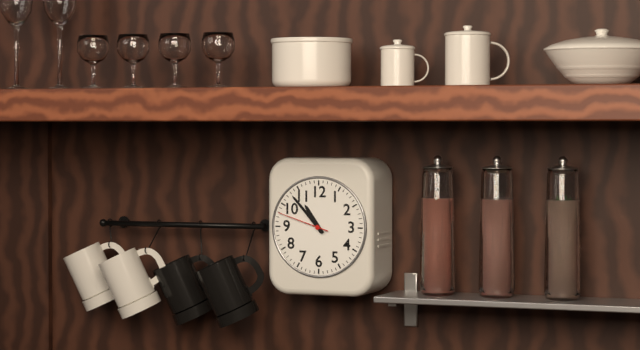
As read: 10.53.48
